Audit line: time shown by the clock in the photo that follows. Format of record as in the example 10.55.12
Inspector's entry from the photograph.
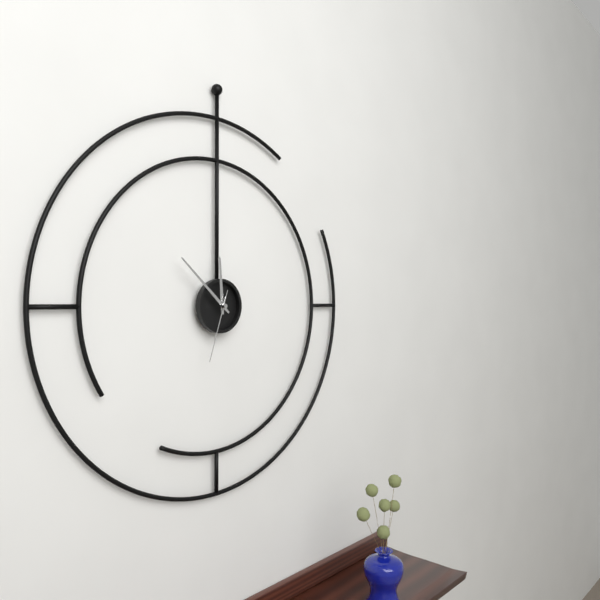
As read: 11.52.33
